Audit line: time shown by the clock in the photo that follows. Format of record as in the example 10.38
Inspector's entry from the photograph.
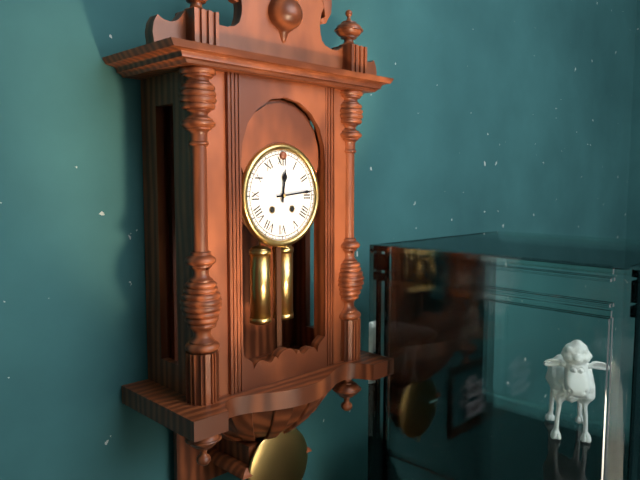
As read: 12.14
